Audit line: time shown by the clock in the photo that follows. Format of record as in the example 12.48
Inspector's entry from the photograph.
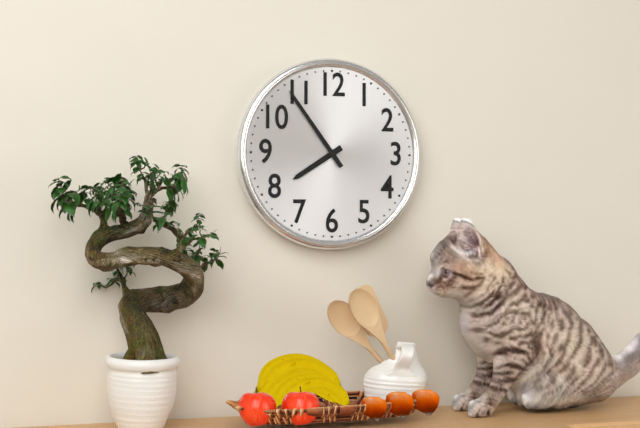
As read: 7.54
